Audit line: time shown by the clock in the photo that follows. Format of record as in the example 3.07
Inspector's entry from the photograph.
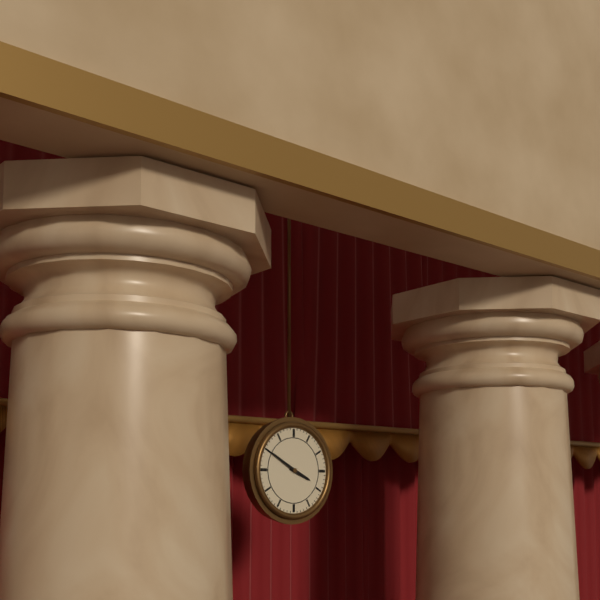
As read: 3.50
